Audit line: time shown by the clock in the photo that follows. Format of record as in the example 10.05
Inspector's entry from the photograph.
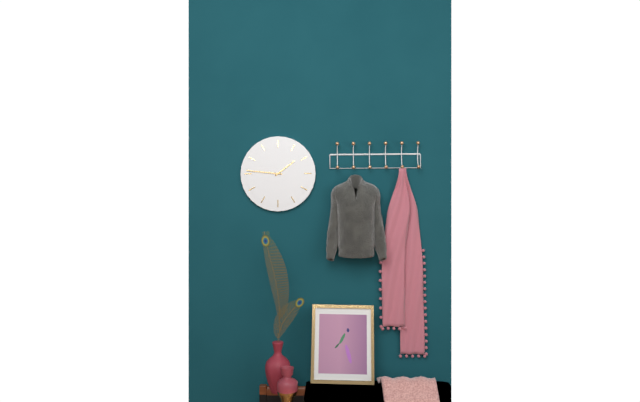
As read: 1.46
